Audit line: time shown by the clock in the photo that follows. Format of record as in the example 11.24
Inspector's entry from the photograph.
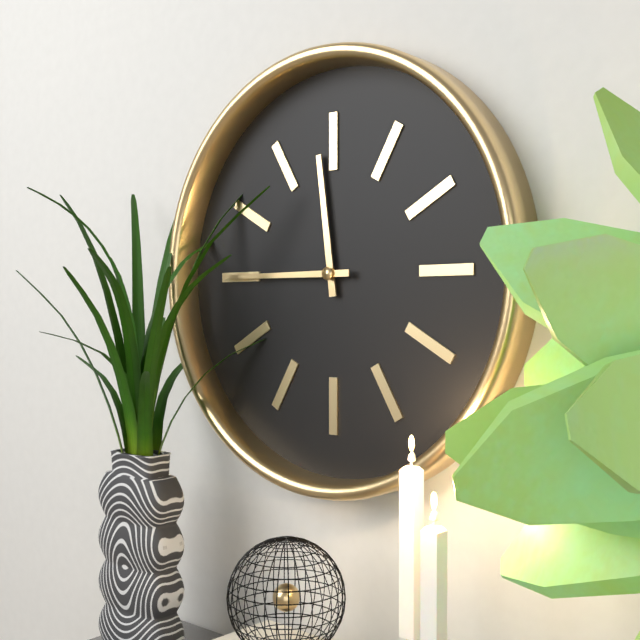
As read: 11.45
